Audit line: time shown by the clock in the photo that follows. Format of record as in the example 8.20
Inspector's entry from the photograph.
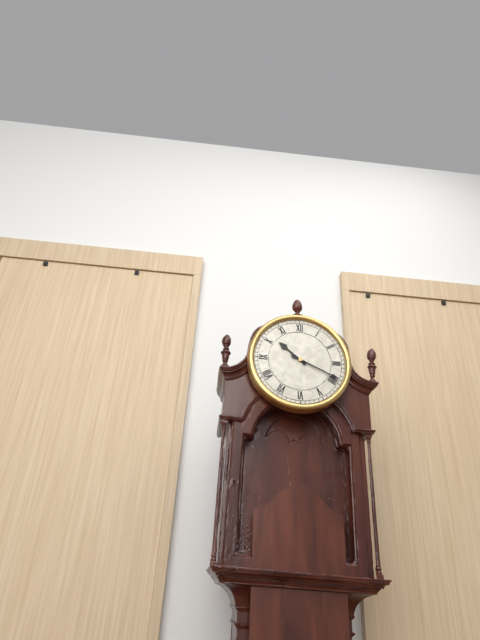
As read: 10.19
